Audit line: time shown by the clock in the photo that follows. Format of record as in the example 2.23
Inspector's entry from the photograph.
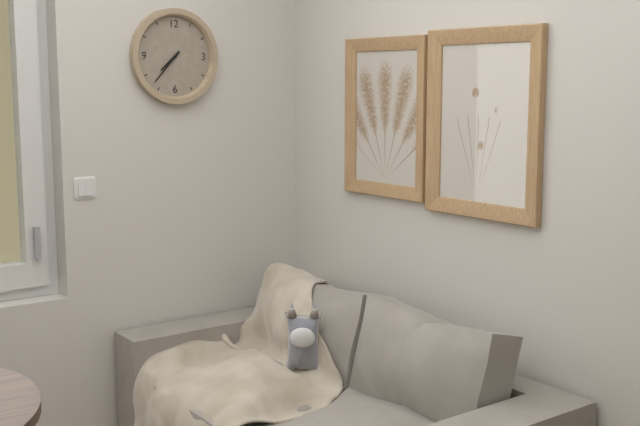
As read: 7.37
